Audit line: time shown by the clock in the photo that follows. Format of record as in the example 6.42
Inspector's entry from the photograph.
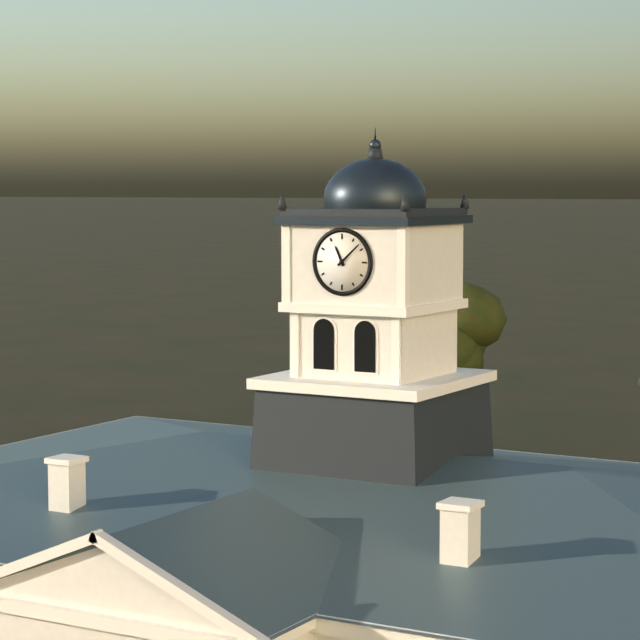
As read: 11.08
